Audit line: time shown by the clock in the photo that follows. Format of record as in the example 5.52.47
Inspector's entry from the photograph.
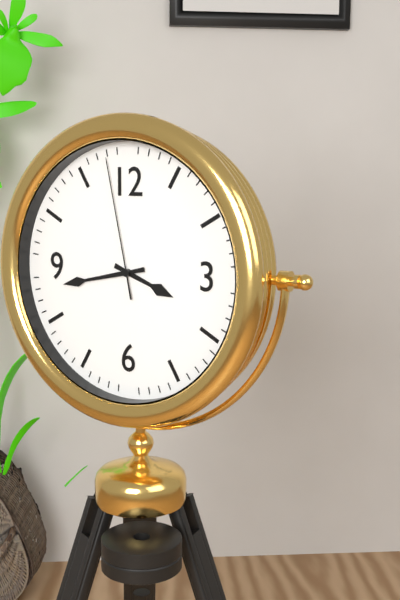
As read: 3.43.58
